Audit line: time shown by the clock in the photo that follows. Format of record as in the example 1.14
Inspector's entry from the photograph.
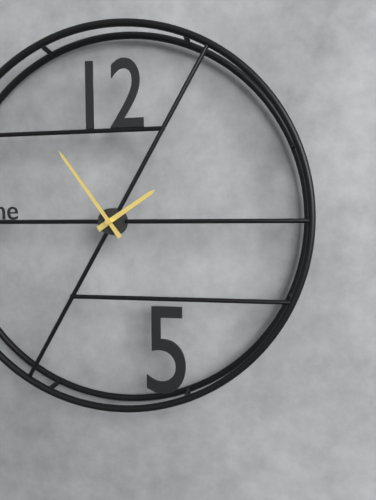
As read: 1.54
